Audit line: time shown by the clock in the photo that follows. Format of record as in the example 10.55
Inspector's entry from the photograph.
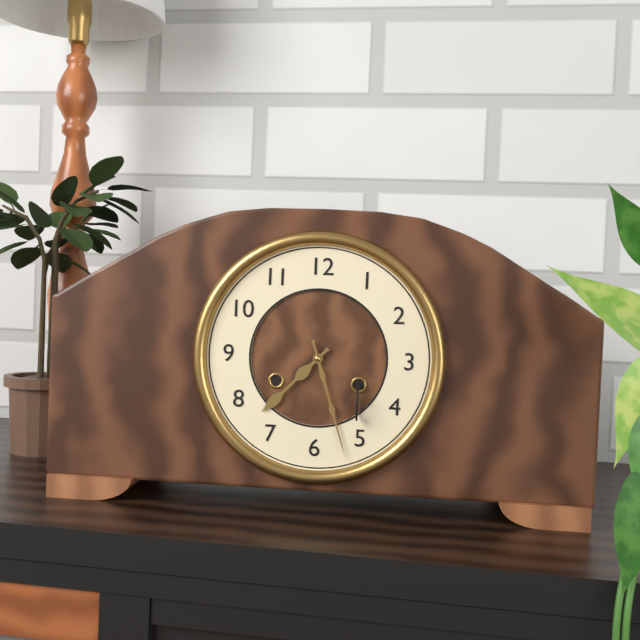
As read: 7.27
